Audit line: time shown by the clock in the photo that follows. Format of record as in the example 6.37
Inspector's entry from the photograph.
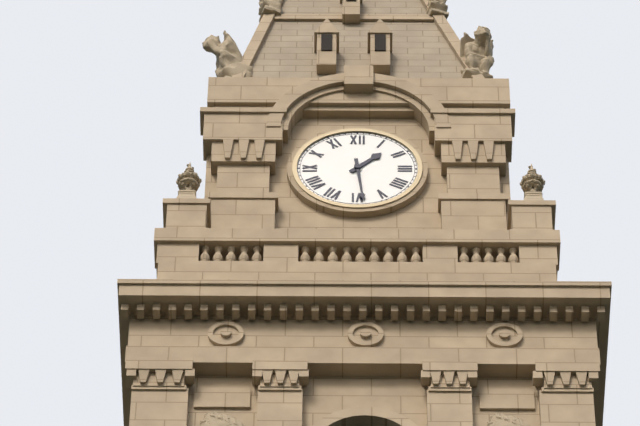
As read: 1.29
